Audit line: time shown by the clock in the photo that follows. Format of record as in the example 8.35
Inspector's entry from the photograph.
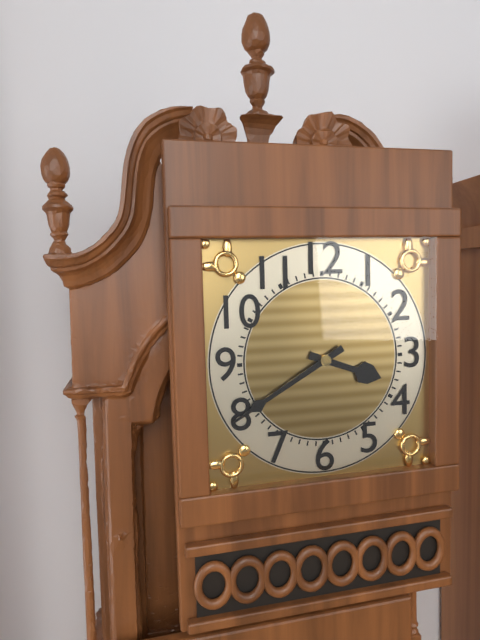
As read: 3.40
